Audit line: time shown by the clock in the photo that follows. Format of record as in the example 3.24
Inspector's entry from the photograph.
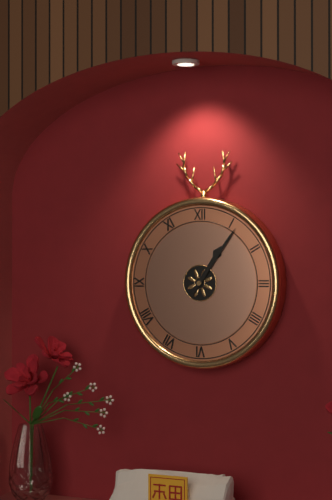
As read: 1.06
